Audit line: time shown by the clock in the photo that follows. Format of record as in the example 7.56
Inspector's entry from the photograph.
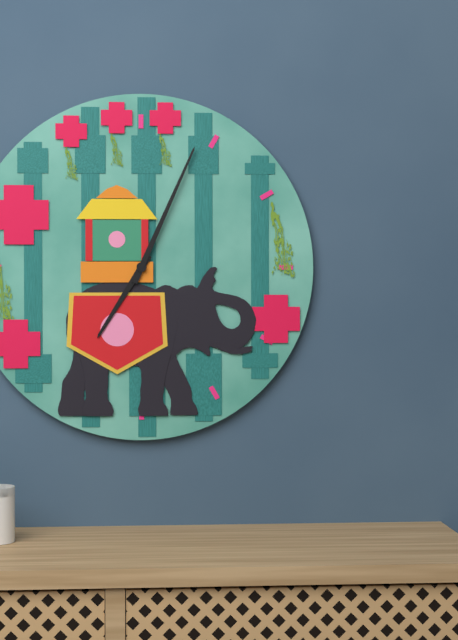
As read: 7.04
